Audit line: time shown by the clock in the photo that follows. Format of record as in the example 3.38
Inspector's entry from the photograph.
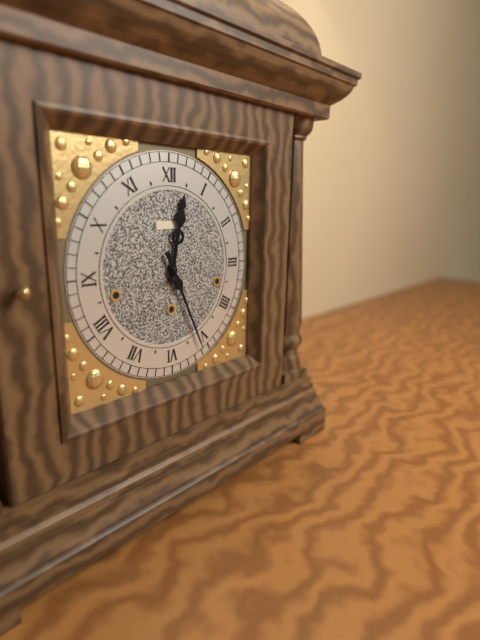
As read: 12.26
